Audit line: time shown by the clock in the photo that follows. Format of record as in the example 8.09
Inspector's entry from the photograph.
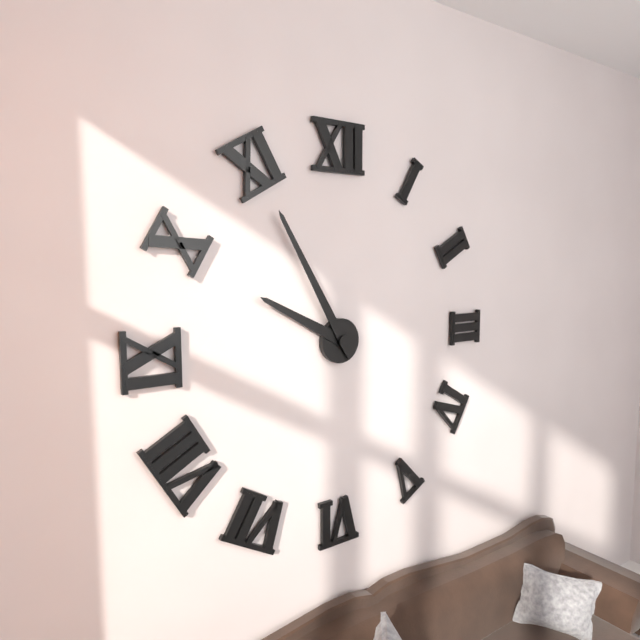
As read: 9.55
